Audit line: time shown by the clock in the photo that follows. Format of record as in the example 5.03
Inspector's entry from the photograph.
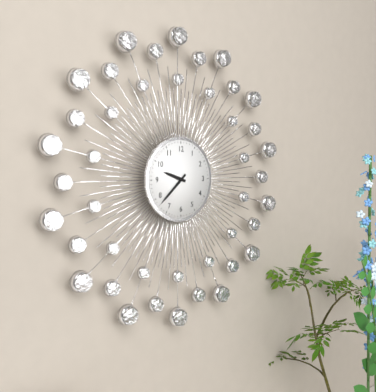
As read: 9.38
